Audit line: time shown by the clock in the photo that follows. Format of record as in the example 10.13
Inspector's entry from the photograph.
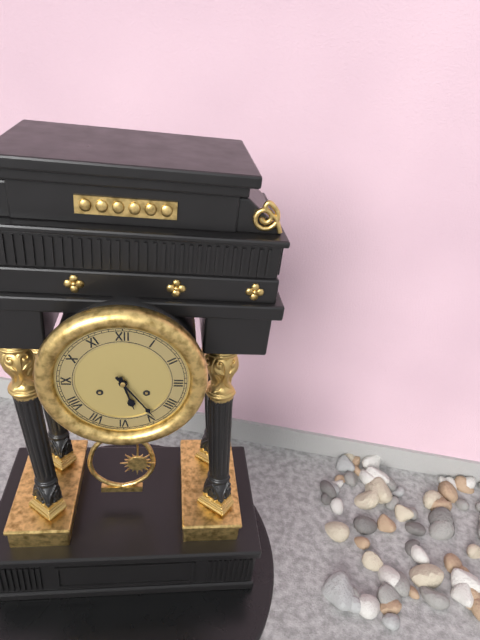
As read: 5.24
